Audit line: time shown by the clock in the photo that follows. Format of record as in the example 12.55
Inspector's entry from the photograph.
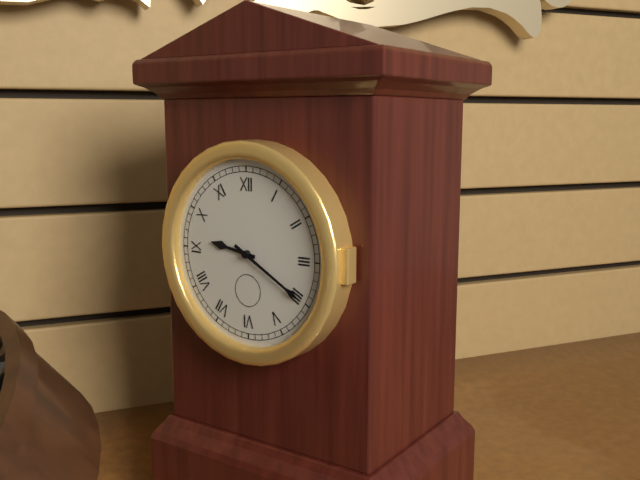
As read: 9.20
